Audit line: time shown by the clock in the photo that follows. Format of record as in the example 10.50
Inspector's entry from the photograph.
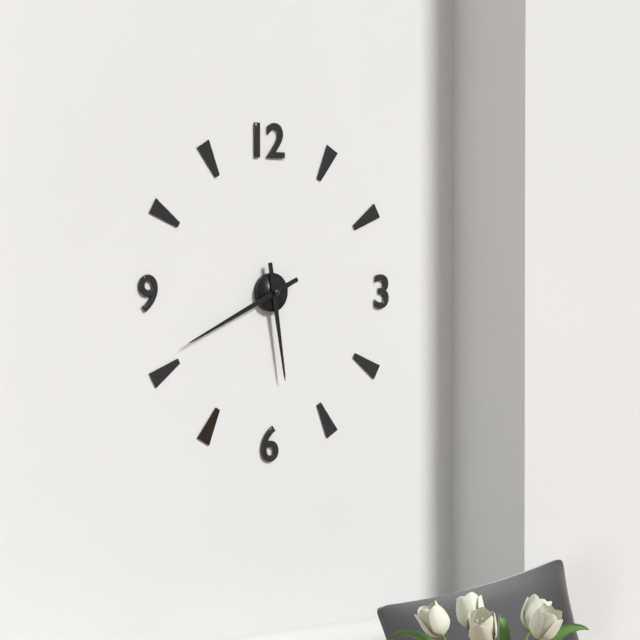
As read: 5.41
